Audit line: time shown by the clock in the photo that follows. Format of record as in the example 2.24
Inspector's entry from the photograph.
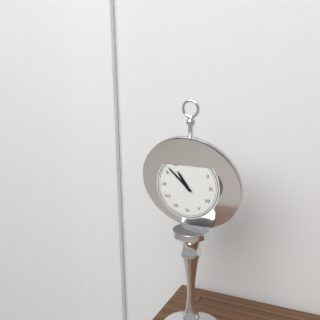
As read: 10.52
